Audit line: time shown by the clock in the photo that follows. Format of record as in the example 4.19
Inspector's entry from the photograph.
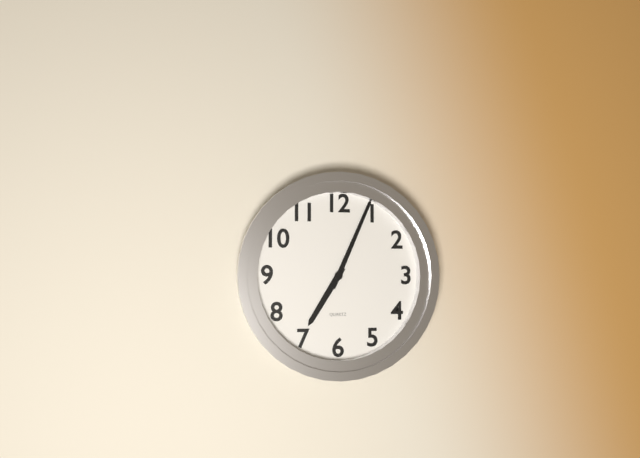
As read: 7.04
